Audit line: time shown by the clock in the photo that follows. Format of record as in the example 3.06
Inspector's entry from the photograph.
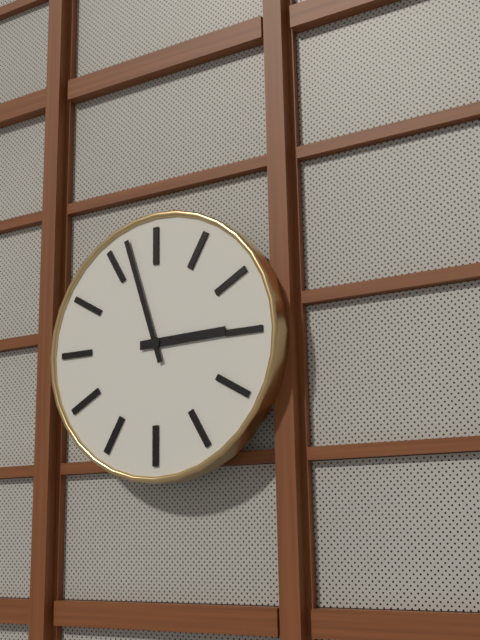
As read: 2.57
